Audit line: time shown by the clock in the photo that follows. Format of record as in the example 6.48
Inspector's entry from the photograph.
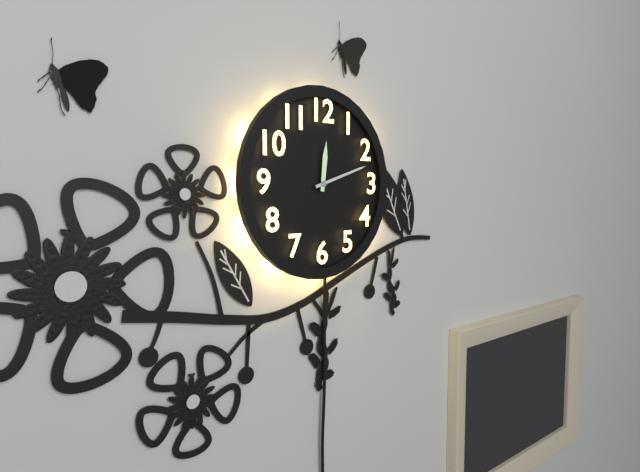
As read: 12.12
